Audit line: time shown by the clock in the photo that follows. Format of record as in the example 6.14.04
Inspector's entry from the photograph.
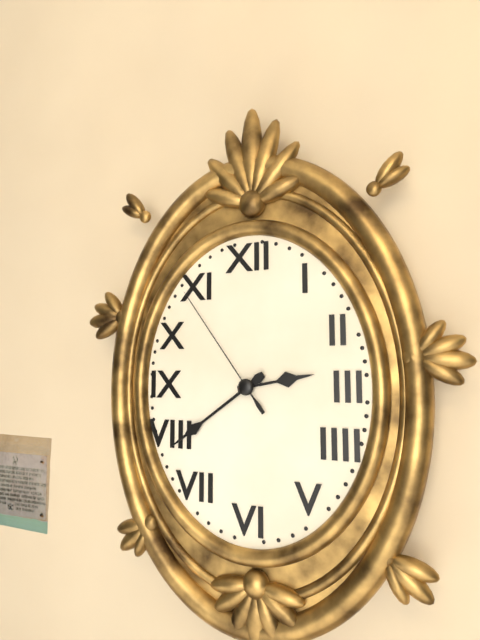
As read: 2.39.54
